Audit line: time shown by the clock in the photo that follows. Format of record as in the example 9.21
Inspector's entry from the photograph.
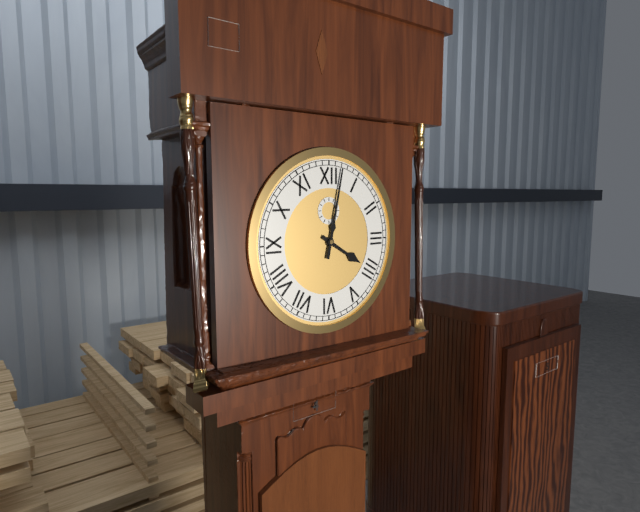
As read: 4.02
